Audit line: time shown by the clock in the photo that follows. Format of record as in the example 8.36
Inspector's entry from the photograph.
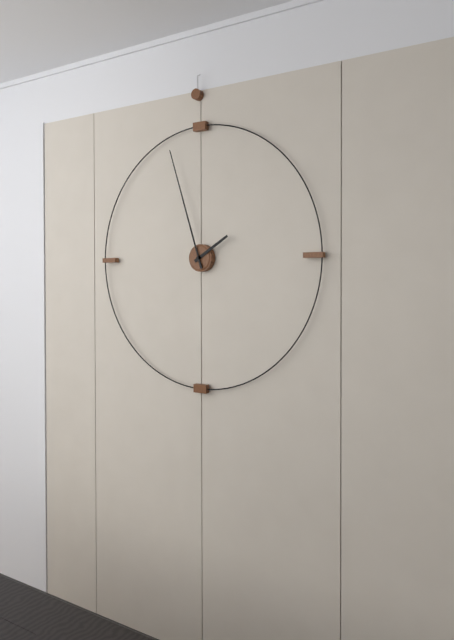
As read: 1.57
